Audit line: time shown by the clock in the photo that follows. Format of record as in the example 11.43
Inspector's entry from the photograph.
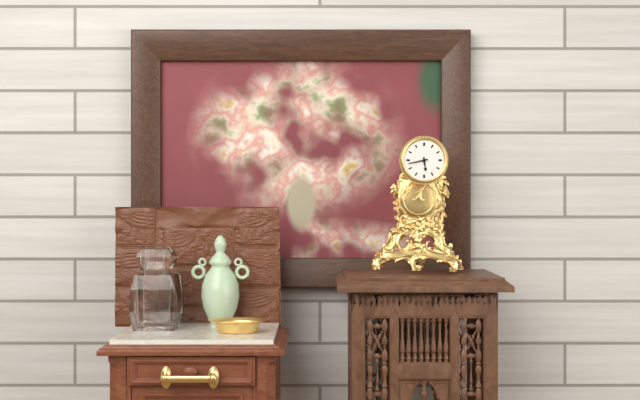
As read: 5.43
